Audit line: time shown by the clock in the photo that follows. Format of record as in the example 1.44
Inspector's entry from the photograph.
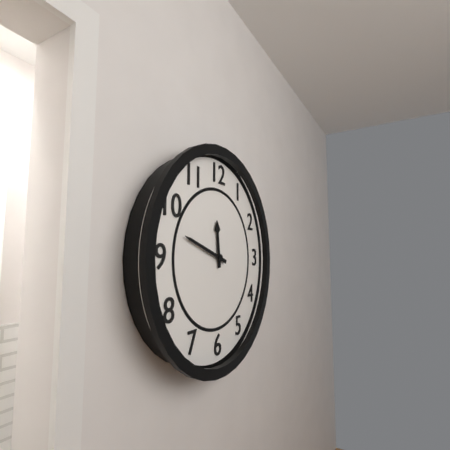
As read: 11.48
